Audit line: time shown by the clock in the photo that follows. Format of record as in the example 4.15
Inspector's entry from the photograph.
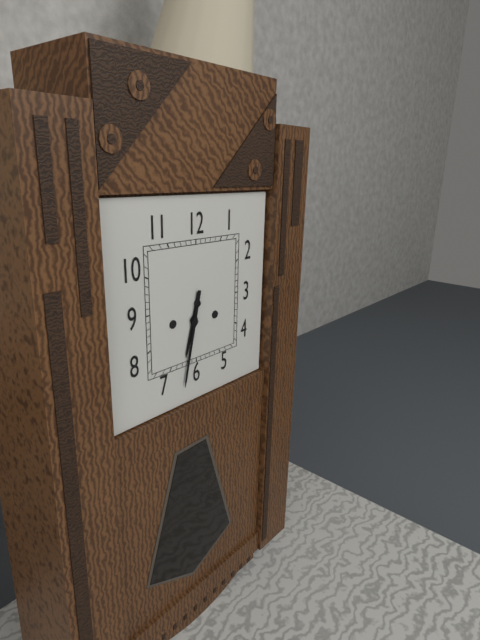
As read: 6.32
